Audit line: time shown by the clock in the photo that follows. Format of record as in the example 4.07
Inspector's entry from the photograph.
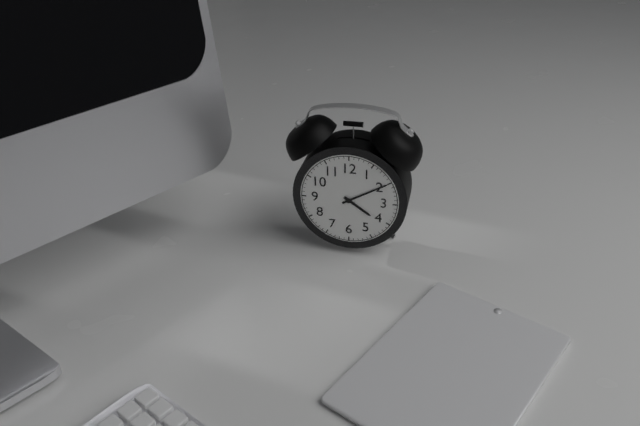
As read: 4.10
